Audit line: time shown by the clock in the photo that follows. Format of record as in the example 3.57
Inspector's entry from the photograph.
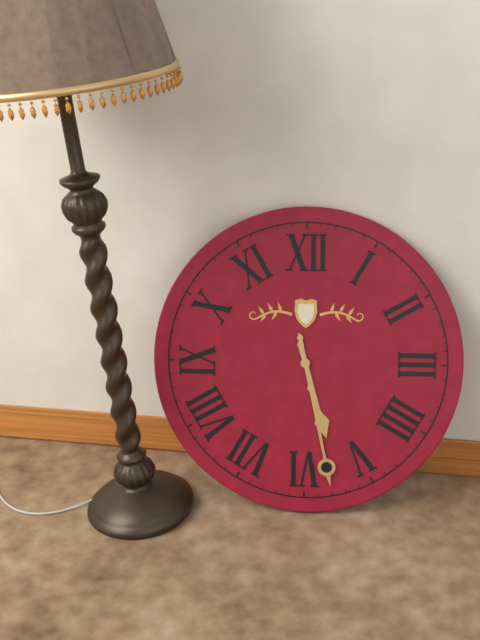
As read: 5.28
